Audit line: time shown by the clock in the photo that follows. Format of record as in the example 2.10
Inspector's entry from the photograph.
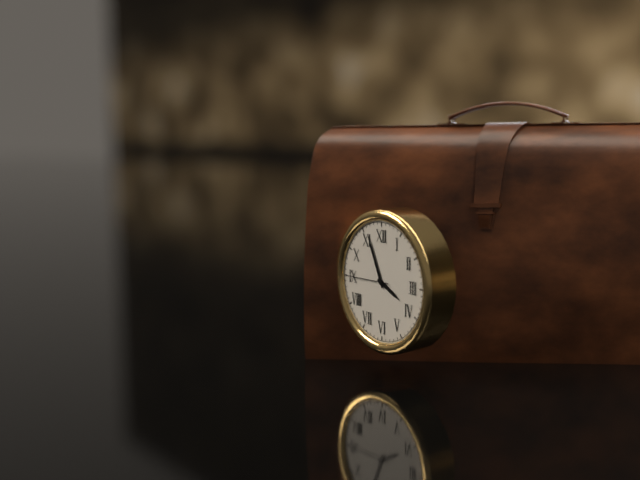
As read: 3.56
